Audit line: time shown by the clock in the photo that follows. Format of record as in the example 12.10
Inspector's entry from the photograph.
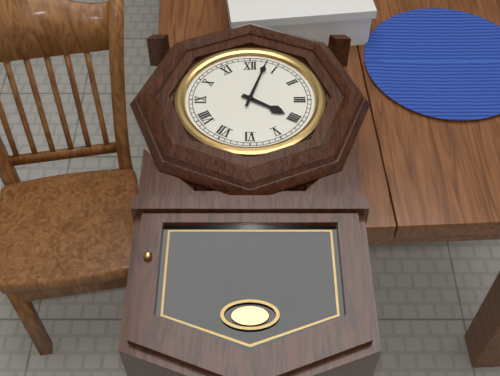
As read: 4.03
